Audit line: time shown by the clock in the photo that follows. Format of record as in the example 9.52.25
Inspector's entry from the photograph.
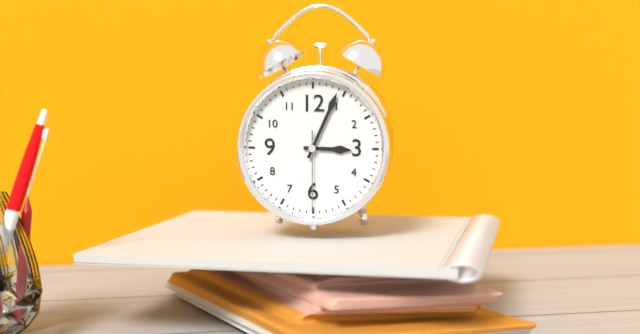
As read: 3.04.30
